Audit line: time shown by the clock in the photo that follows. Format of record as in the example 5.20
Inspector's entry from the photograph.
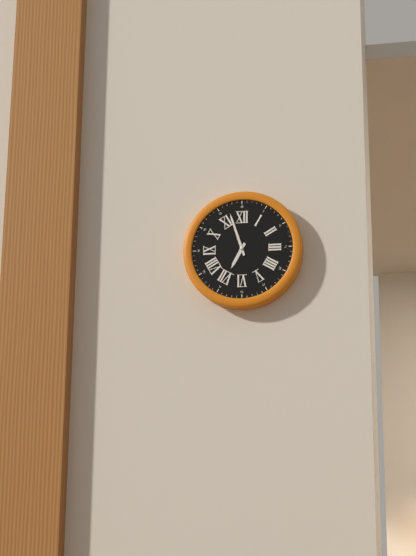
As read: 6.57
